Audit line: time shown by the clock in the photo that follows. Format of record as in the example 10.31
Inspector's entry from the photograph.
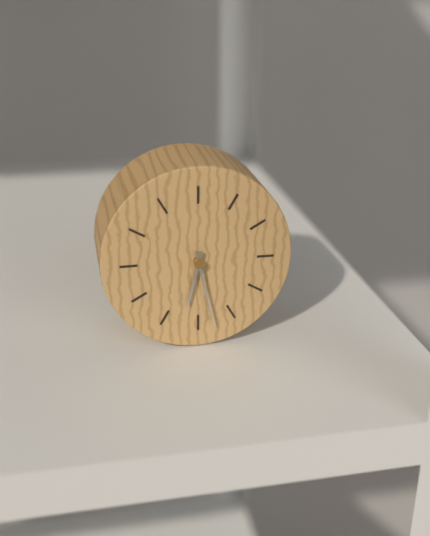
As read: 6.28
